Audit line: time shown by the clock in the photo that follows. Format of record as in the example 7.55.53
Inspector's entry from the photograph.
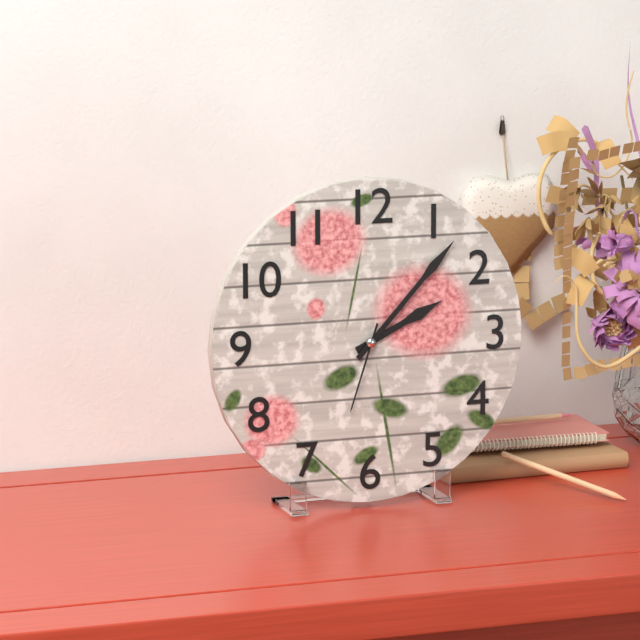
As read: 2.07.33
